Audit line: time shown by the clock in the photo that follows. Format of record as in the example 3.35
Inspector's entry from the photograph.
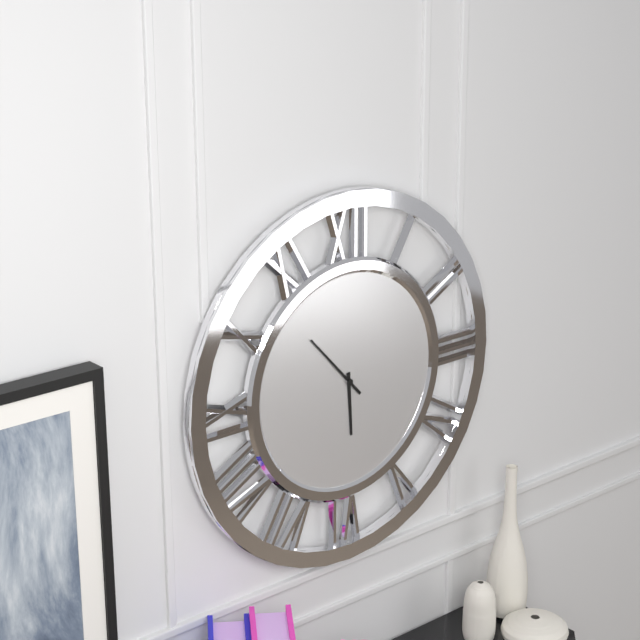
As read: 5.53
